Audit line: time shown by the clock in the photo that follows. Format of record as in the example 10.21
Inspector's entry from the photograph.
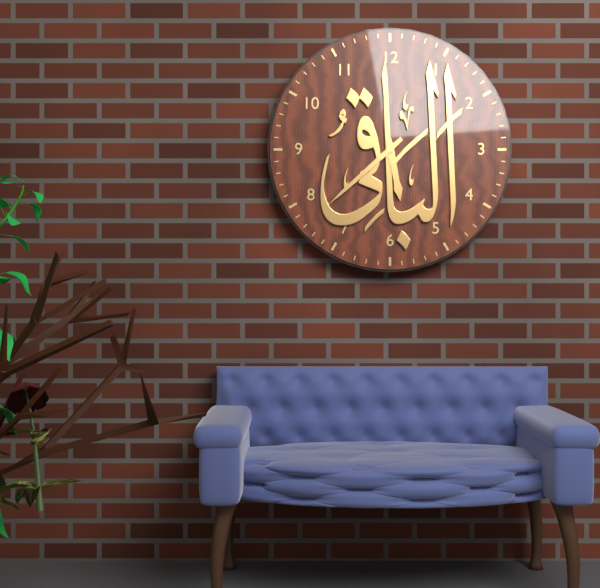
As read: 5.38
